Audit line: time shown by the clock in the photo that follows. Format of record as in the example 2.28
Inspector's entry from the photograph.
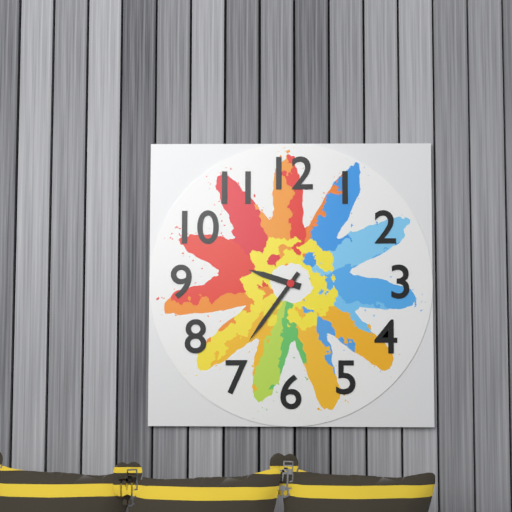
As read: 9.36
